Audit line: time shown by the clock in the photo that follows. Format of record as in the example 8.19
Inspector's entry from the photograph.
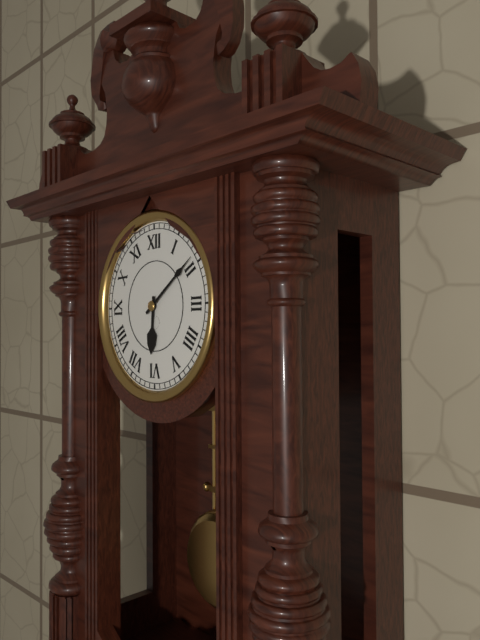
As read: 6.09
